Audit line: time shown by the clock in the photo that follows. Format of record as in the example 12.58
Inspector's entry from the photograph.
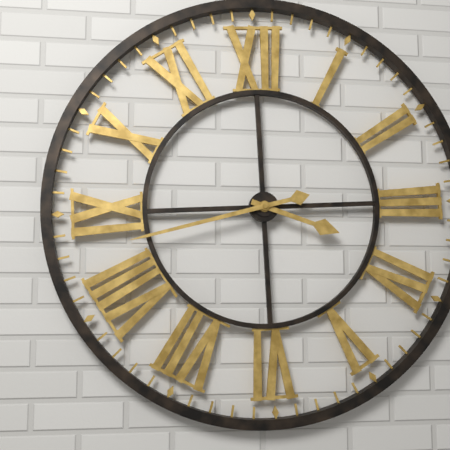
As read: 3.43
